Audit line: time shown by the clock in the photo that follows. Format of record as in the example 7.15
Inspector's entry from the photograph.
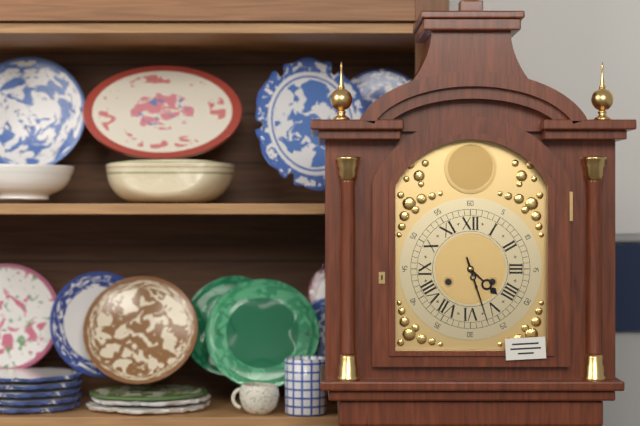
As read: 4.27
